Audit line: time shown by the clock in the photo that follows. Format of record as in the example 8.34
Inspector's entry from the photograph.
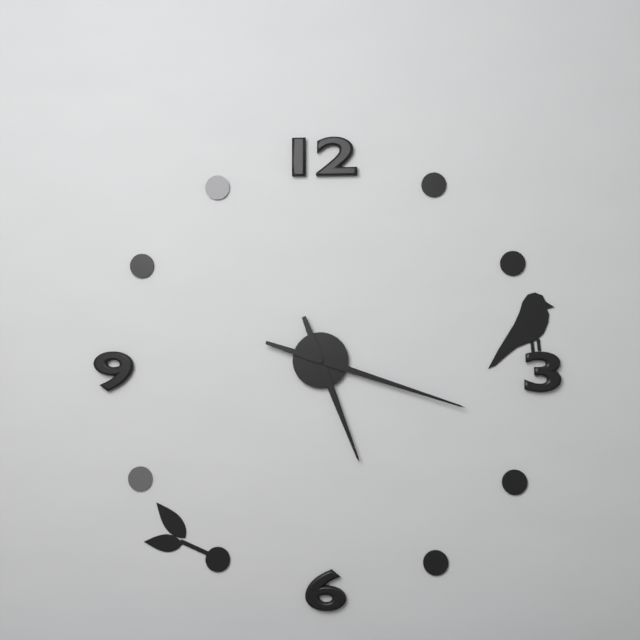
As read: 5.18
